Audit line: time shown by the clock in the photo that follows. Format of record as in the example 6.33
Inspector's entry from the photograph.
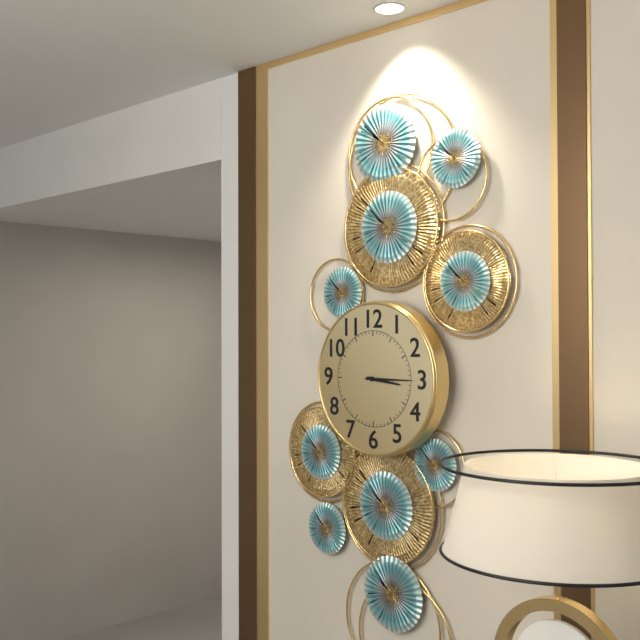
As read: 3.15
